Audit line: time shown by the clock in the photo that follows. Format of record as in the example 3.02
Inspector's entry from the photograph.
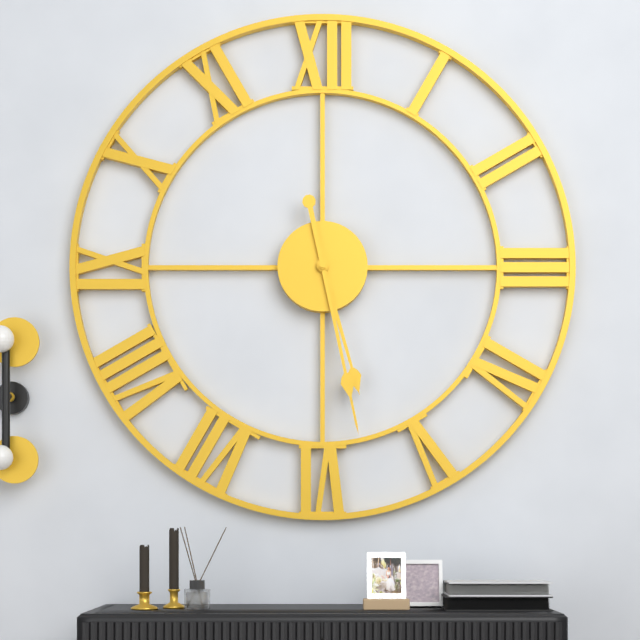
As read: 5.28
